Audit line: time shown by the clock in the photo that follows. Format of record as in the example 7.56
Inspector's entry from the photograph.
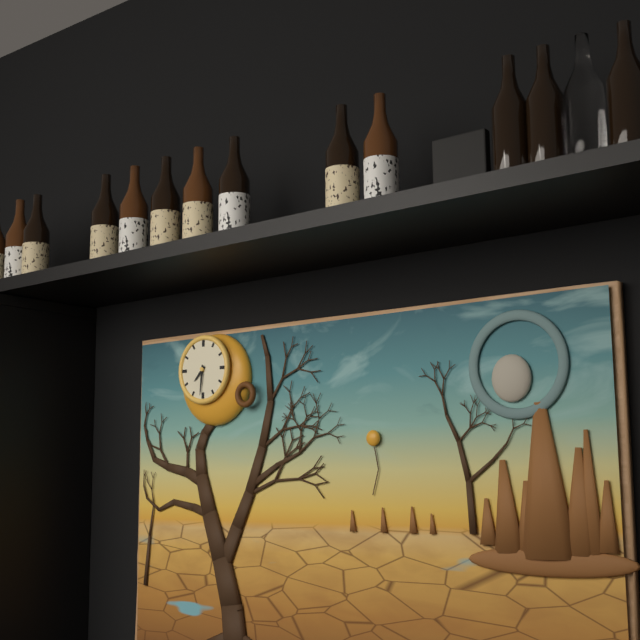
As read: 7.31
